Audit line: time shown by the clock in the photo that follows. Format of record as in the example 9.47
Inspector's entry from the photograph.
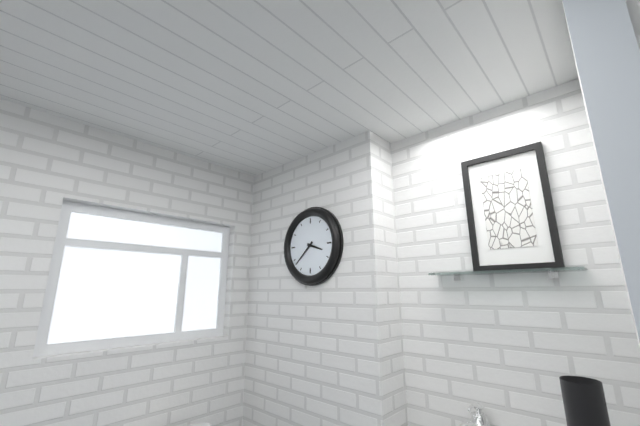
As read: 3.38
